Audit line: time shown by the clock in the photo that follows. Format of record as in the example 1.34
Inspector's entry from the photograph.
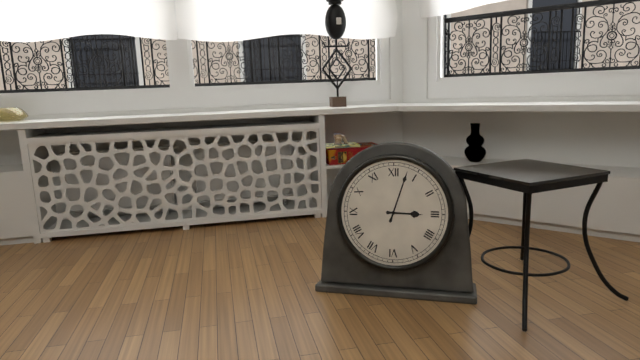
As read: 3.03
